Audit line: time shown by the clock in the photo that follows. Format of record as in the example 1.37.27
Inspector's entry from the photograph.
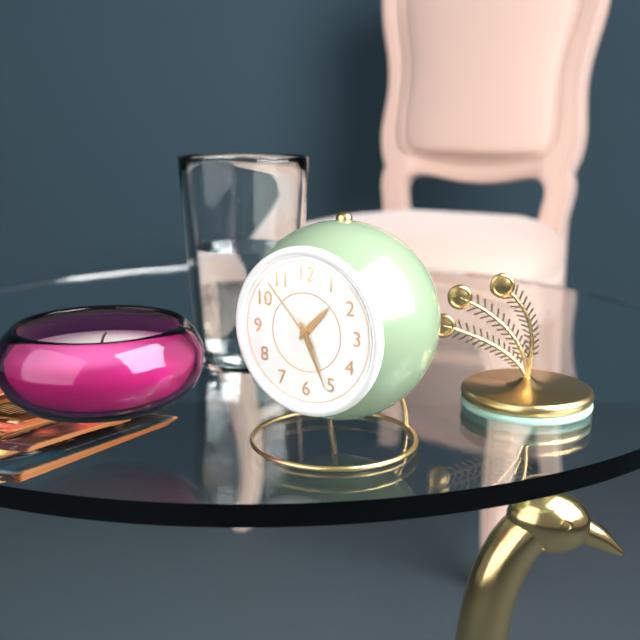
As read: 1.26.53
